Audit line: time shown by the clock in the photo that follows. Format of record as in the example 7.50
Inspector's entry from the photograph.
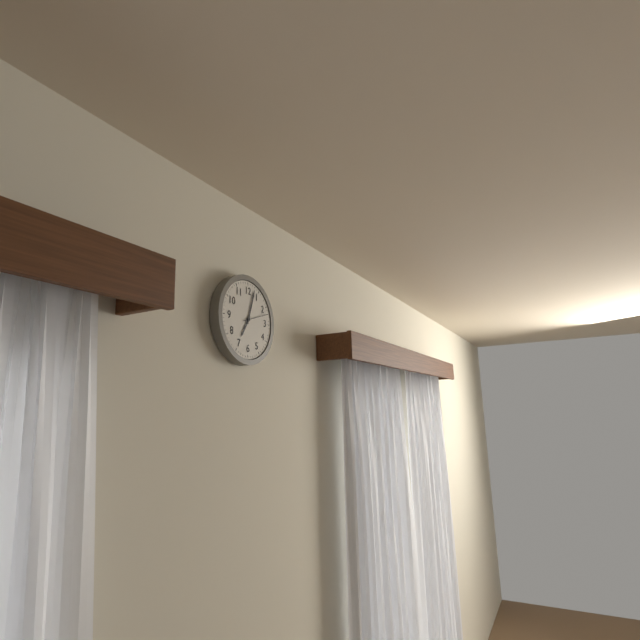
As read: 7.03
